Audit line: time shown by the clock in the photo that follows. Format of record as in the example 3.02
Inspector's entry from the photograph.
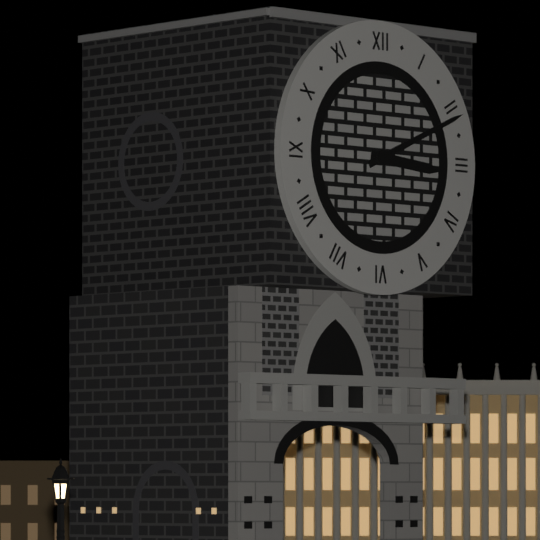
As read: 3.11
